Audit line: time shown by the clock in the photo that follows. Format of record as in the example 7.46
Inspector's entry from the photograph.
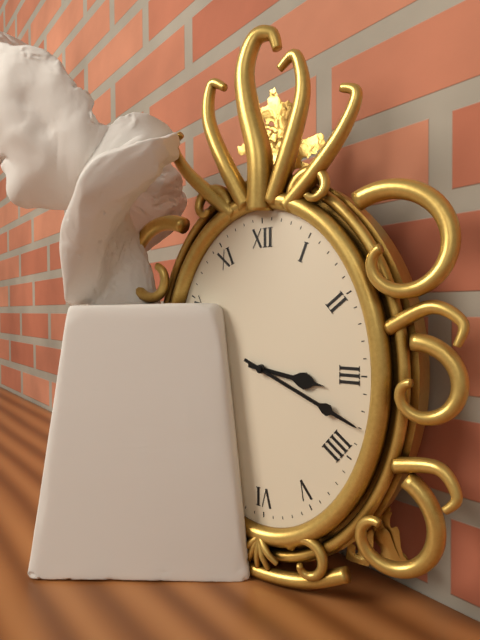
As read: 3.19
